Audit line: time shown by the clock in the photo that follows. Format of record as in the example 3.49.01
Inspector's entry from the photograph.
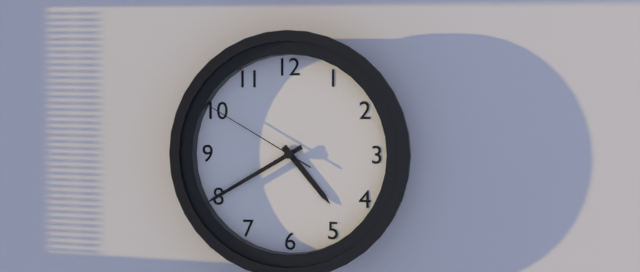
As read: 4.40.50
